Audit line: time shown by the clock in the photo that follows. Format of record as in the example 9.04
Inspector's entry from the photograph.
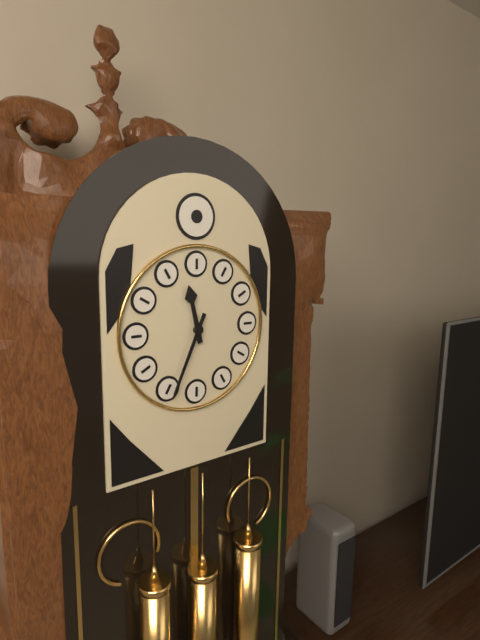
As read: 11.34
